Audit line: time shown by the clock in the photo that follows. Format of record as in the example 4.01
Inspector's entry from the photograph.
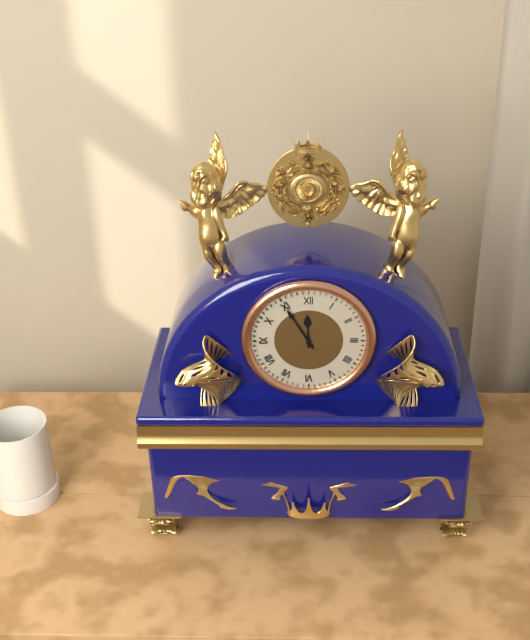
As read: 11.55
